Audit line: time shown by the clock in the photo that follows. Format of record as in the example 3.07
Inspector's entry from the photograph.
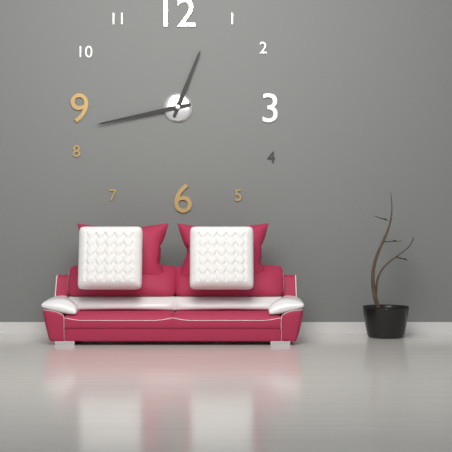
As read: 12.43
